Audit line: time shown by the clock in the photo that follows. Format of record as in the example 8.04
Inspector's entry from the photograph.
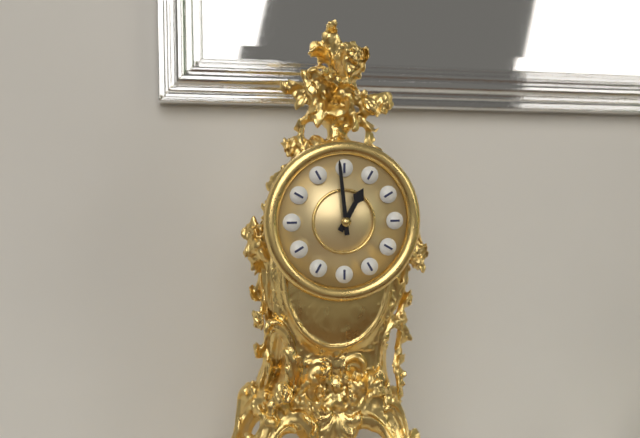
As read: 12.59
